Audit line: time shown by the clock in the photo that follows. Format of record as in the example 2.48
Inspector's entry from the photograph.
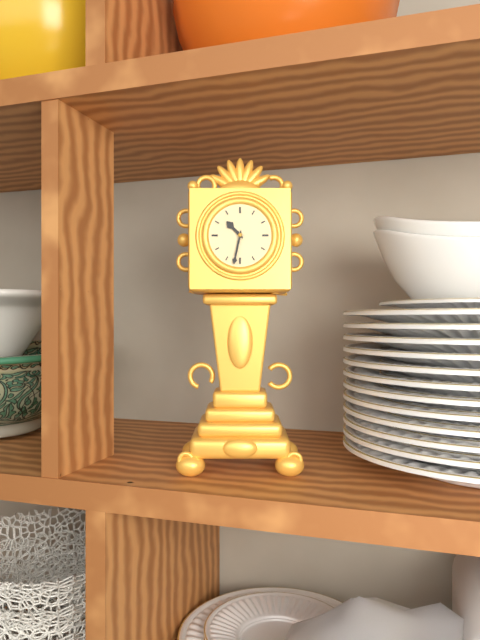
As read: 10.32
